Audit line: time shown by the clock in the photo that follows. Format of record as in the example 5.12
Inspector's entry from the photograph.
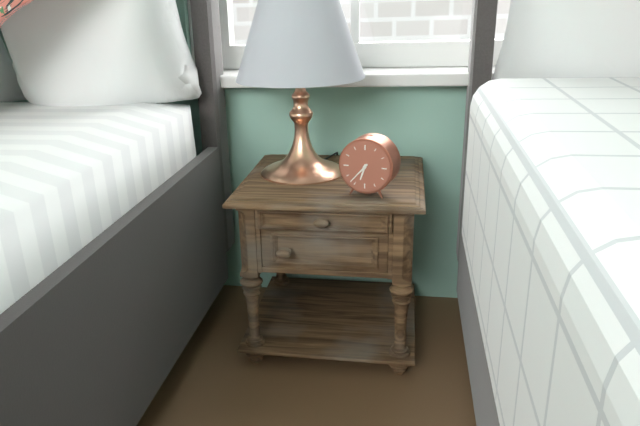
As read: 6.37
